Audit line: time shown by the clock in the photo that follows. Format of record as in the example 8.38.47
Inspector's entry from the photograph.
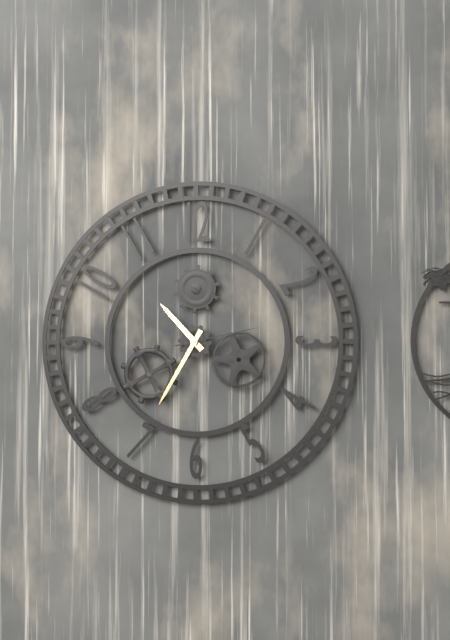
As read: 10.35.13
